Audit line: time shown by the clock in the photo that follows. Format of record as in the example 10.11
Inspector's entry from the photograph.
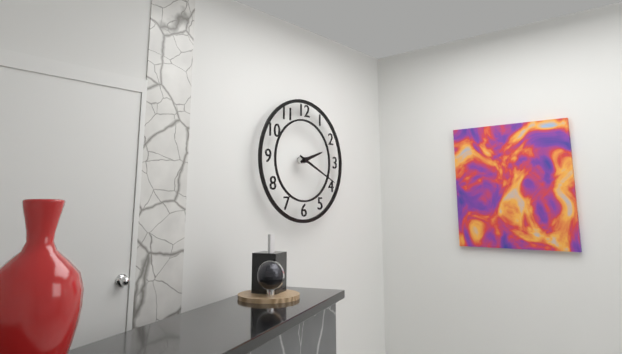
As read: 2.19
